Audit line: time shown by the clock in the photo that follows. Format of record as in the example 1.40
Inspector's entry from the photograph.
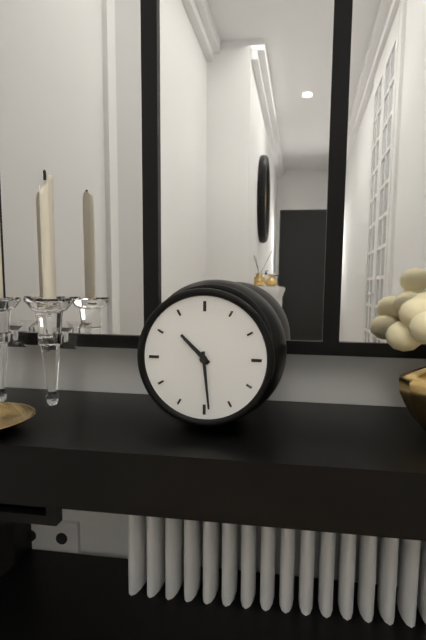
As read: 10.29
